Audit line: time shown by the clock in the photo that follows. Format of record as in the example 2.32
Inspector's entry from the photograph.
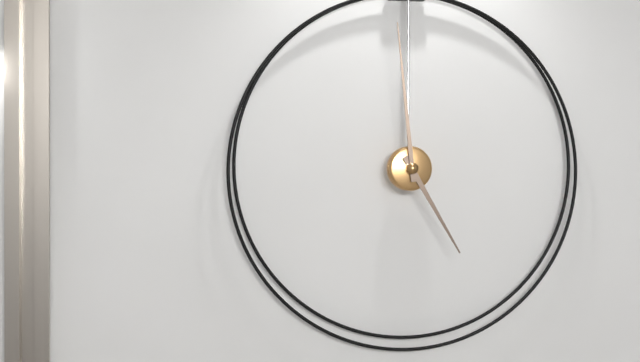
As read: 4.59
